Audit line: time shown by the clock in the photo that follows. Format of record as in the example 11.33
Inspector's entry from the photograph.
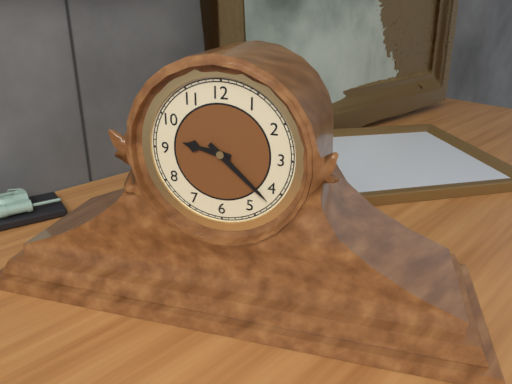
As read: 9.22
